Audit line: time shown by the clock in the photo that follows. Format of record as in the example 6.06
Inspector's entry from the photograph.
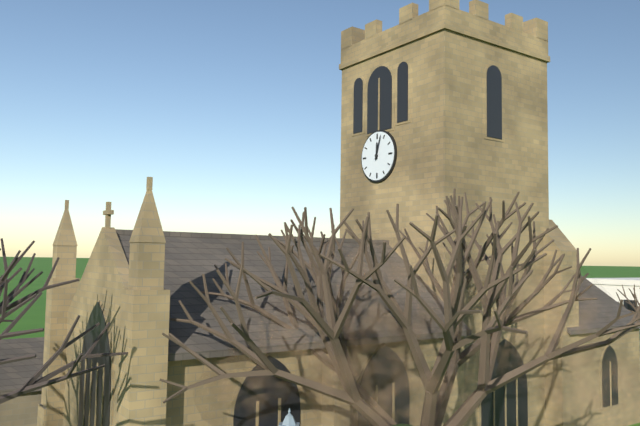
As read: 12.03
